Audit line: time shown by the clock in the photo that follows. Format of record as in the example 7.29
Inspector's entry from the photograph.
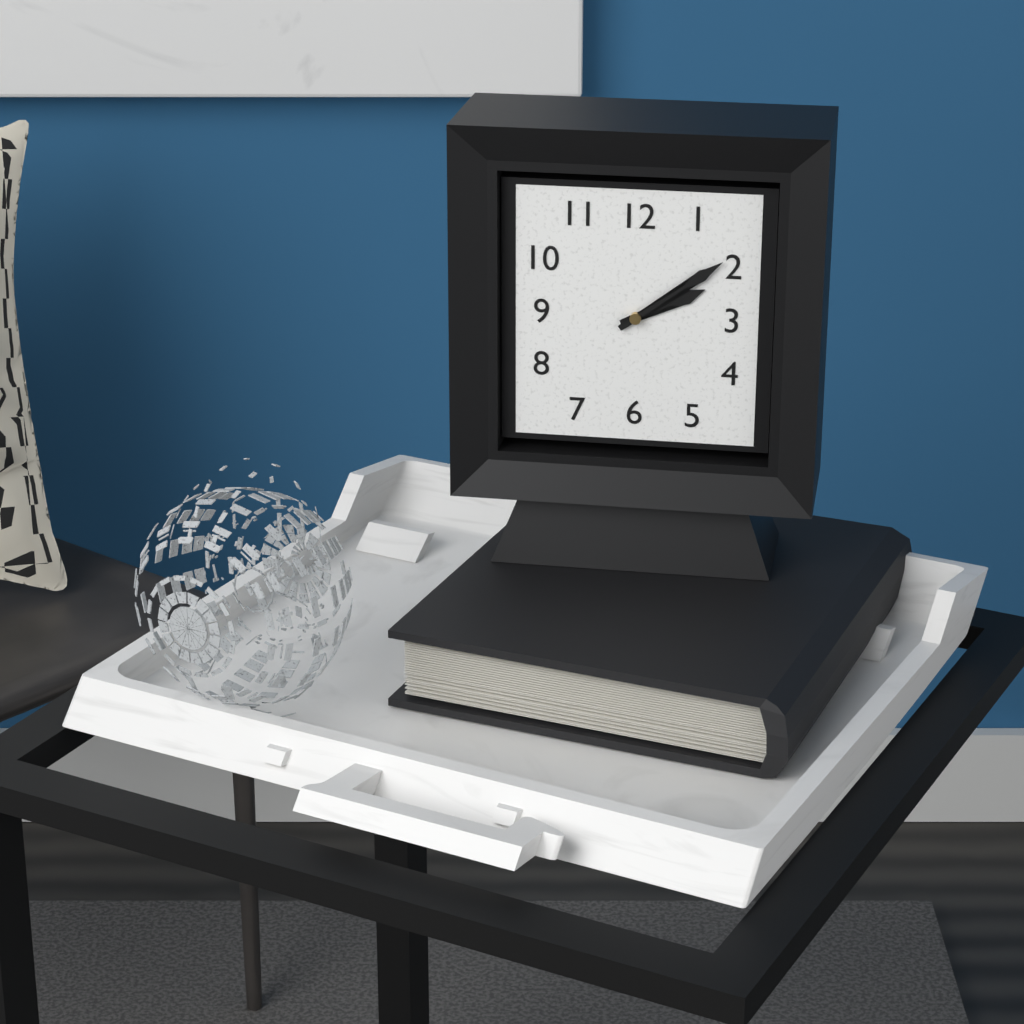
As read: 2.09
